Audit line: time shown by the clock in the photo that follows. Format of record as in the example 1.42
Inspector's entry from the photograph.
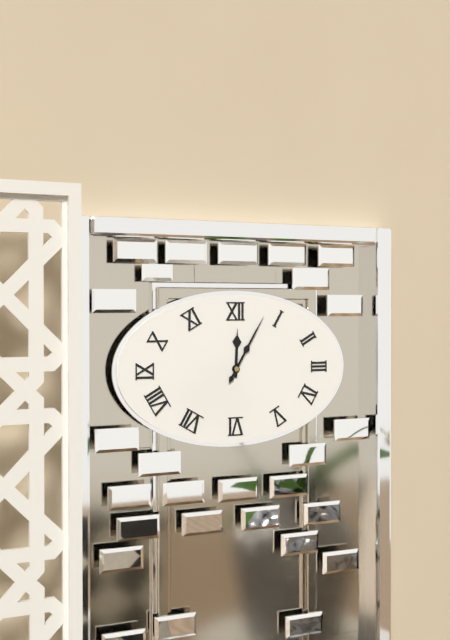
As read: 12.05
